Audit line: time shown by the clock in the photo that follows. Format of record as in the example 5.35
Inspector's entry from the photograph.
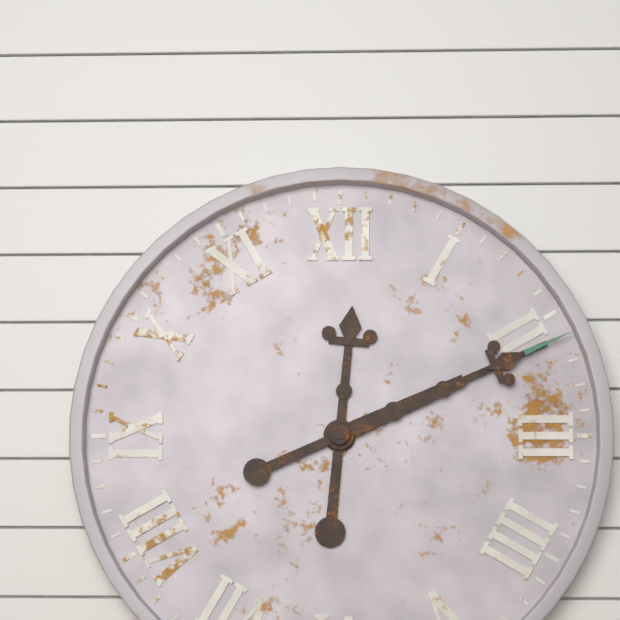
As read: 12.11
